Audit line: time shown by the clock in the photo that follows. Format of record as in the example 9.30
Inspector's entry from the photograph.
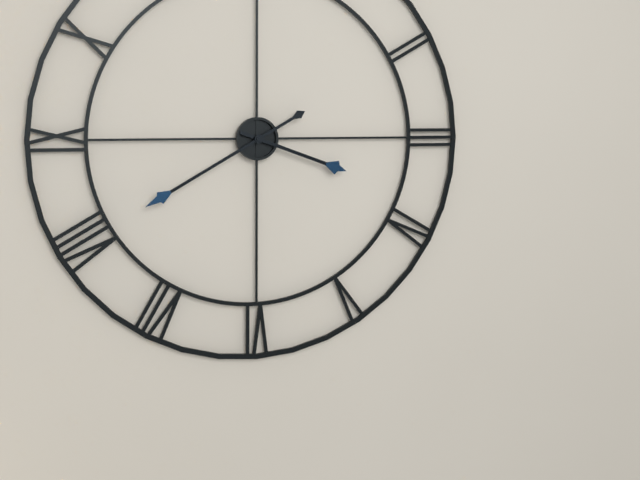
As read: 3.40
